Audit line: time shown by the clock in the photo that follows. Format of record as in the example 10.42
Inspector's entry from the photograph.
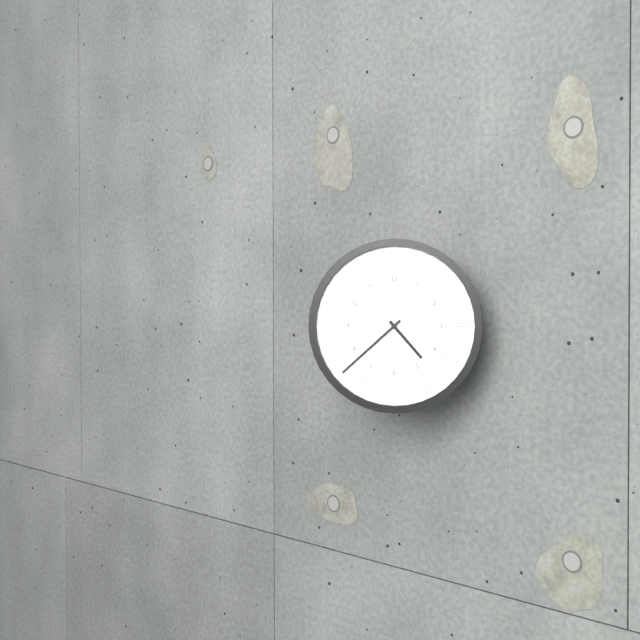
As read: 4.38
